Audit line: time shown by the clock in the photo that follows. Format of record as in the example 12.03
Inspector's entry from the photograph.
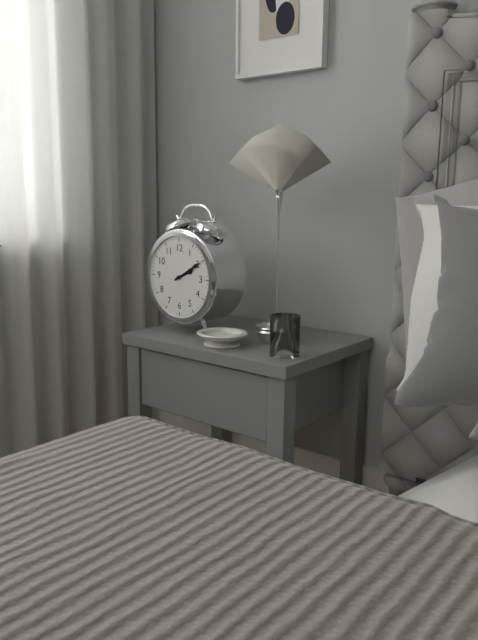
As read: 2.10
